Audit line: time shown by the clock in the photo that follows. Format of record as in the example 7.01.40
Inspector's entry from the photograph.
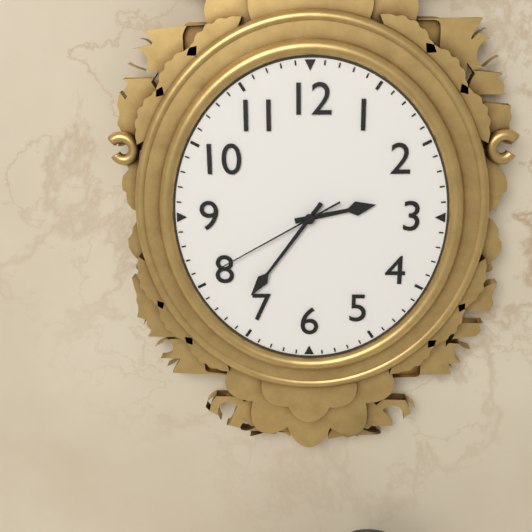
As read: 2.36.40
